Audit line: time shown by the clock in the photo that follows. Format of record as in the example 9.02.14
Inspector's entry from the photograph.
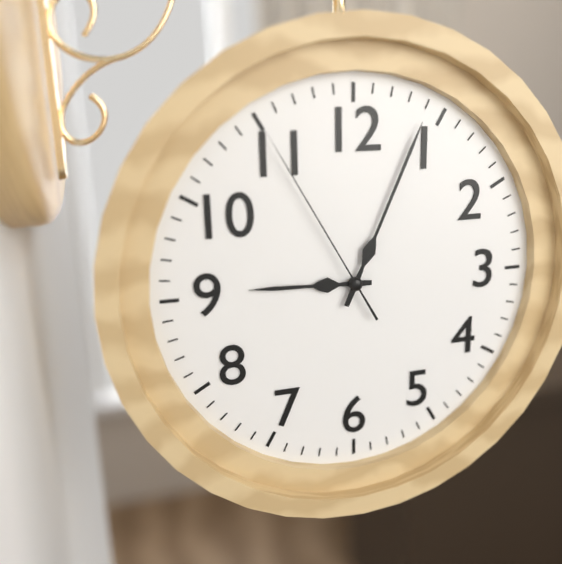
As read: 9.04.55
